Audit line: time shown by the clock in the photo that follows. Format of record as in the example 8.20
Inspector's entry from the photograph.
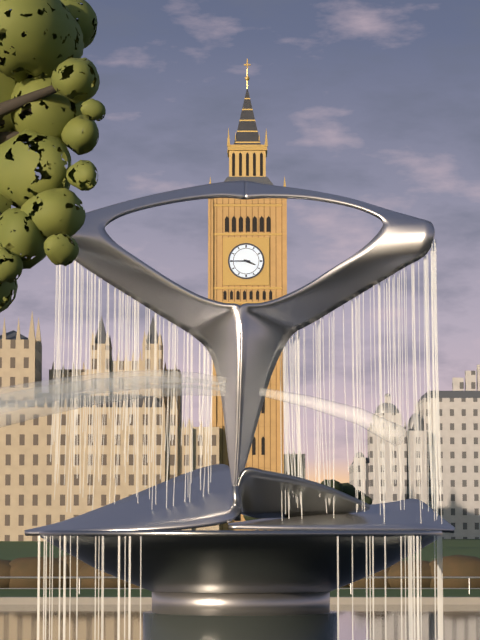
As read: 3.45
